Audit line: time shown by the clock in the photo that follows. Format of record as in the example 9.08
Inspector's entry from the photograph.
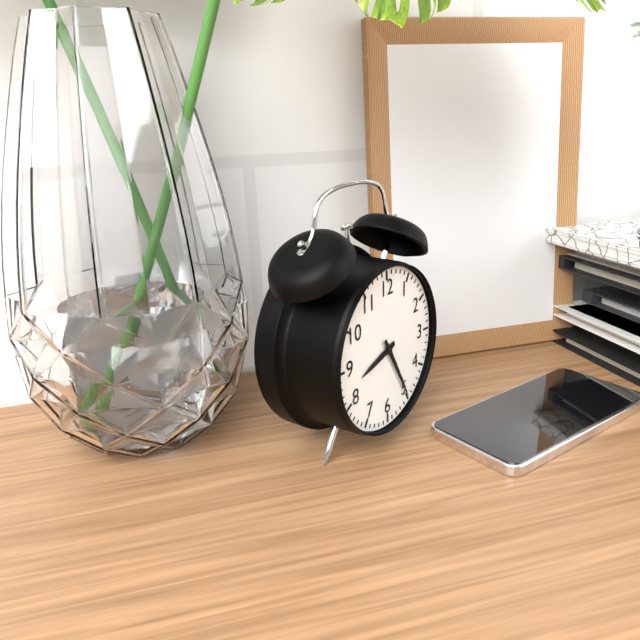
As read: 8.25
